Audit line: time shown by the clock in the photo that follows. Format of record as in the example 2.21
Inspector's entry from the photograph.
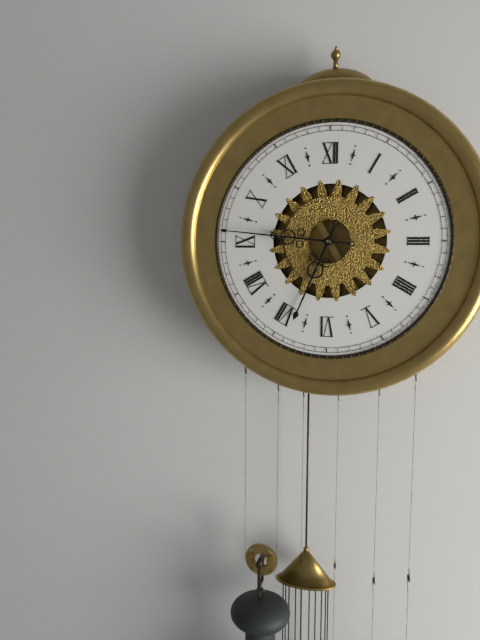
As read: 6.46
